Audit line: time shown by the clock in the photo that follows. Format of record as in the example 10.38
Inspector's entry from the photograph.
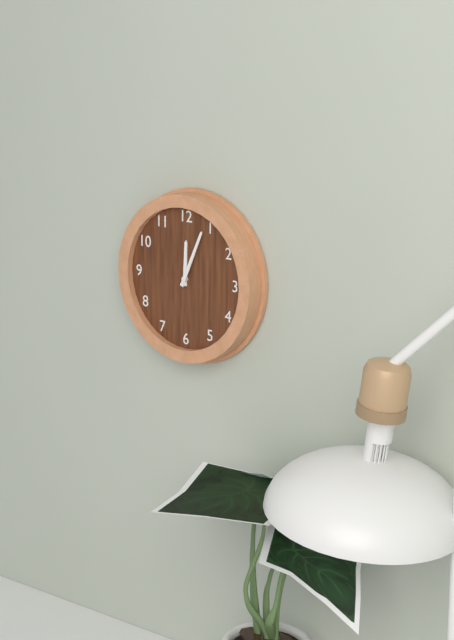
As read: 12.04
